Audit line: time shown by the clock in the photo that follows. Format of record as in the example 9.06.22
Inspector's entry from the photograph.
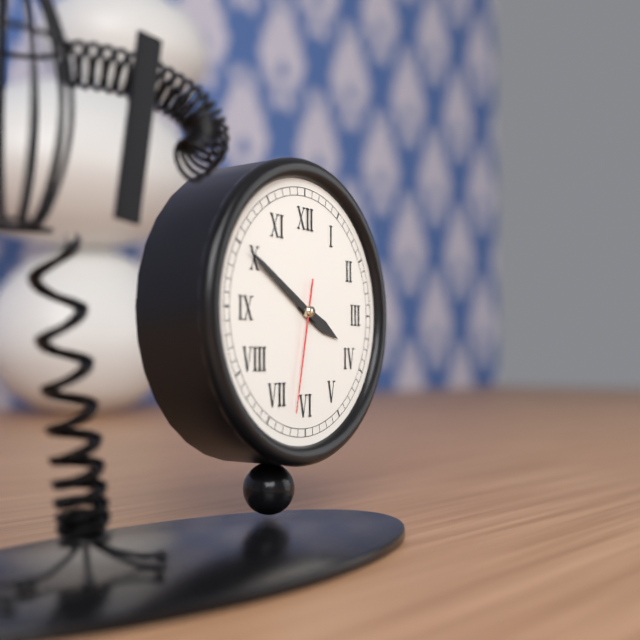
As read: 3.50.32
